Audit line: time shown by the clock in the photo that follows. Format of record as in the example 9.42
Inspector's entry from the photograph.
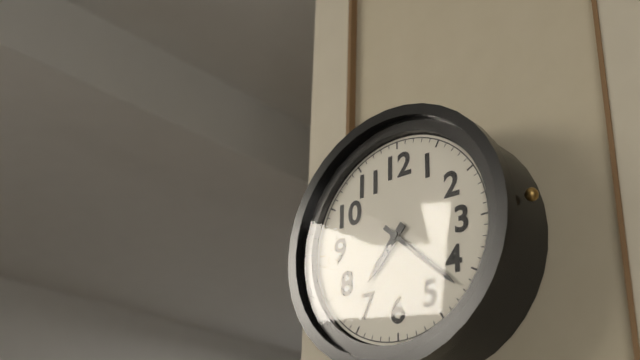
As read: 7.22
